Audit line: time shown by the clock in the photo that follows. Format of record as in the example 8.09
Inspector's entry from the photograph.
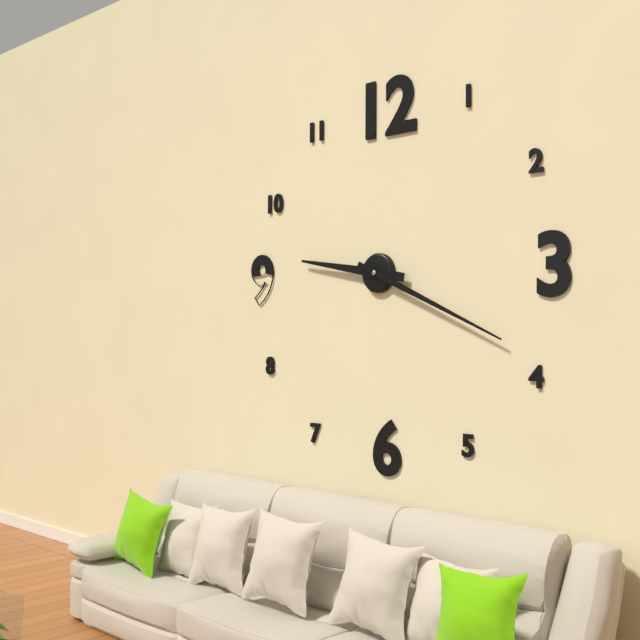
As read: 9.19
